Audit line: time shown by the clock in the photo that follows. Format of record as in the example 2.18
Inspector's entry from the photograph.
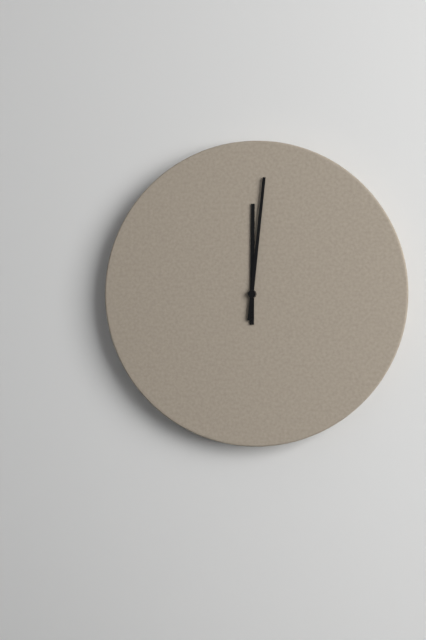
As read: 12.01
